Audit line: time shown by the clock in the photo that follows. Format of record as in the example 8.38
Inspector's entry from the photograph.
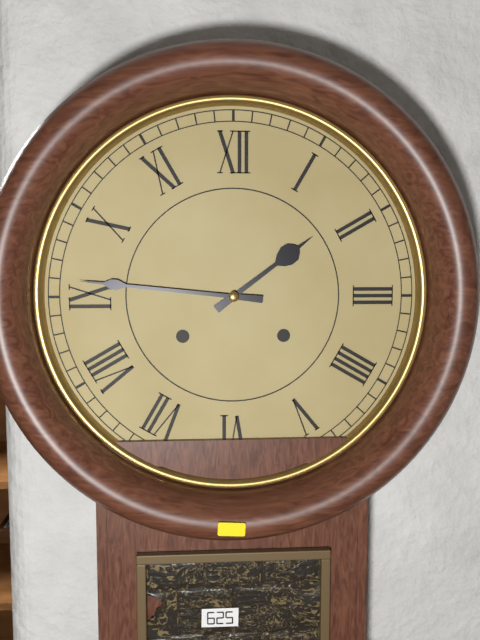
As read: 1.46
